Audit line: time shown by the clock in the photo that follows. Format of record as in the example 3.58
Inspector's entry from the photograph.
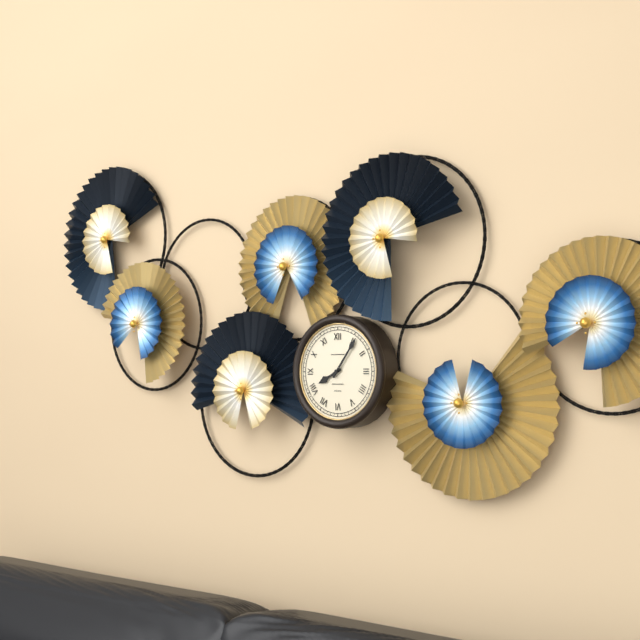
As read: 8.06
